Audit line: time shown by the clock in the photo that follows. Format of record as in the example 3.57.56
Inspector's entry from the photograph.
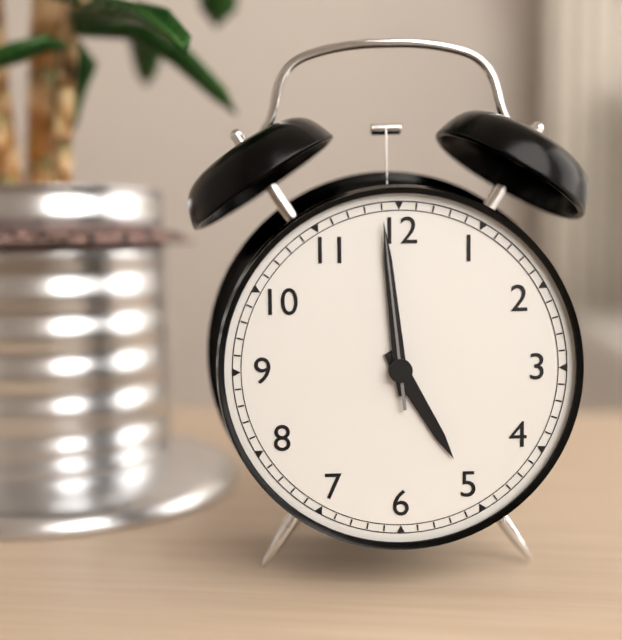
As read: 4.59.59
